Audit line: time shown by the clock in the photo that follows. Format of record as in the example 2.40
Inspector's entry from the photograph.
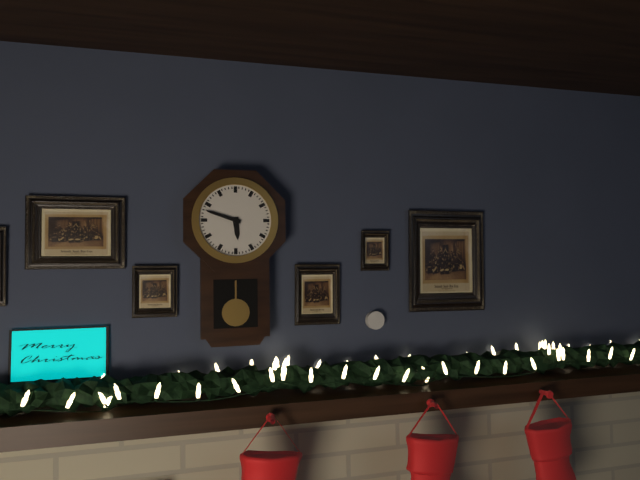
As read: 5.48
